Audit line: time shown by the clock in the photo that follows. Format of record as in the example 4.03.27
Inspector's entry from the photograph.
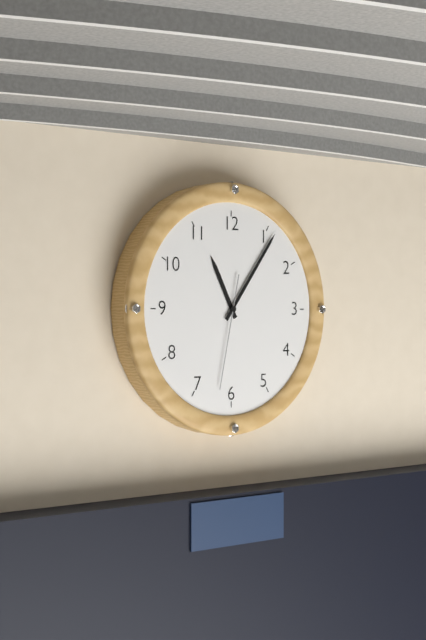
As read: 11.06.32
